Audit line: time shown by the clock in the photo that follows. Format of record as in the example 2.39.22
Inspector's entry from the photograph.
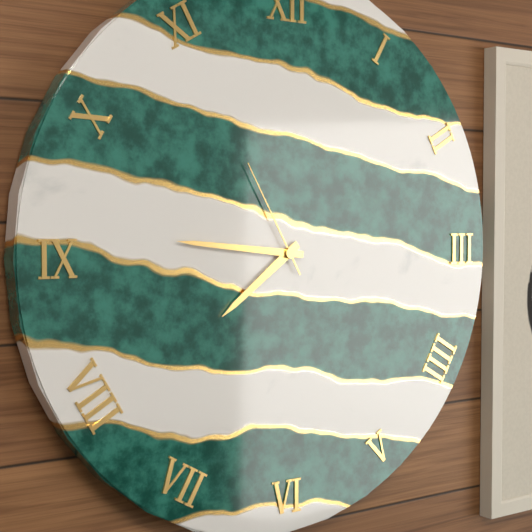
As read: 7.46.55
